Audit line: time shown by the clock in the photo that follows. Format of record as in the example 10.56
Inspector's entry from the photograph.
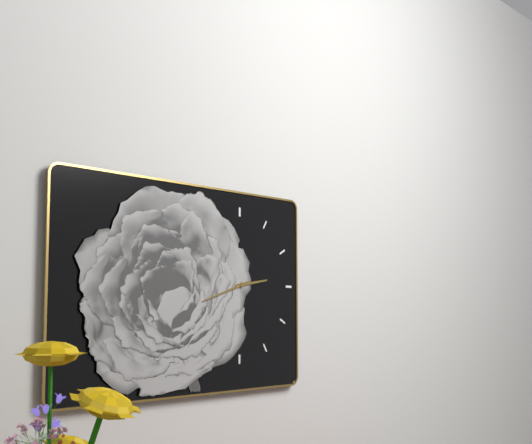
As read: 2.42
